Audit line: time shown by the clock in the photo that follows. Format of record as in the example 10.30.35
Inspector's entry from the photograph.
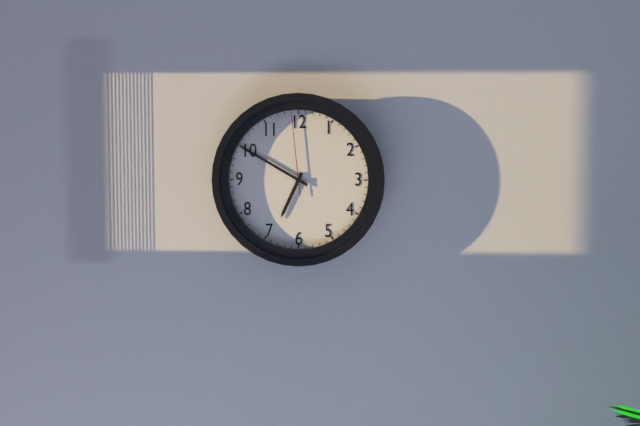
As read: 6.50.59
